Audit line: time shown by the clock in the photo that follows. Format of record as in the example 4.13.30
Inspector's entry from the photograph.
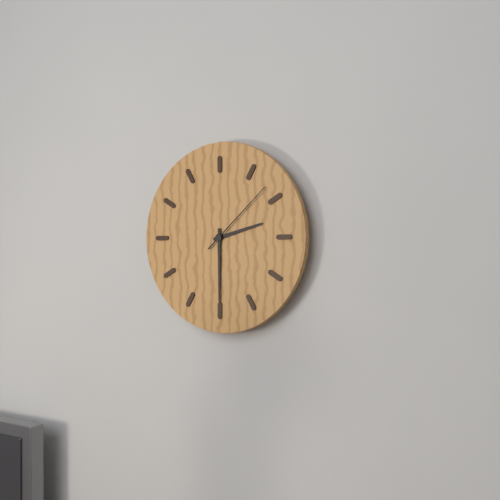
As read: 2.30.08
